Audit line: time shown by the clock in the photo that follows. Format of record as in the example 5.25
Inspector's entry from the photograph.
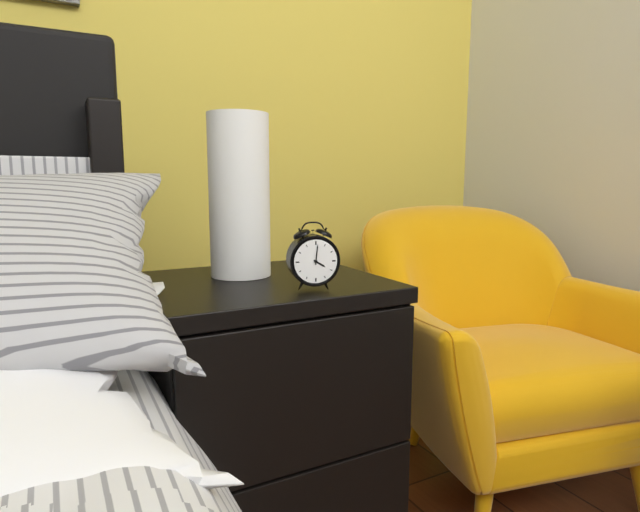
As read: 4.01
